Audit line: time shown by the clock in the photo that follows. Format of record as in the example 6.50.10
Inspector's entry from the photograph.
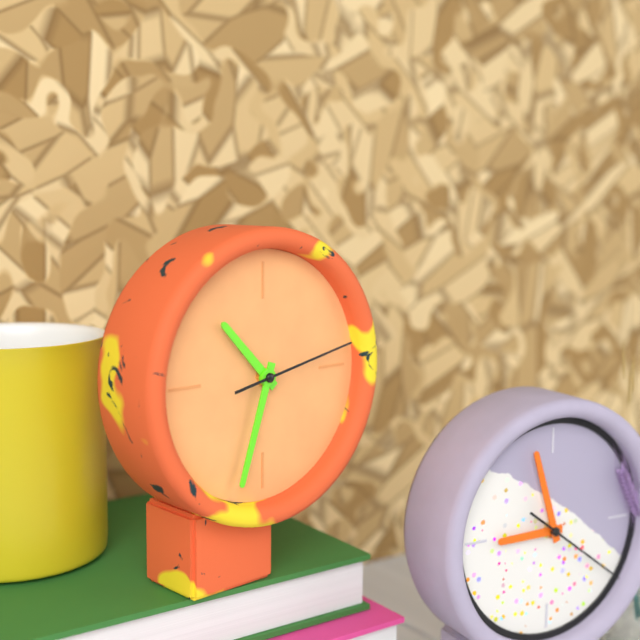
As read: 10.33.13
